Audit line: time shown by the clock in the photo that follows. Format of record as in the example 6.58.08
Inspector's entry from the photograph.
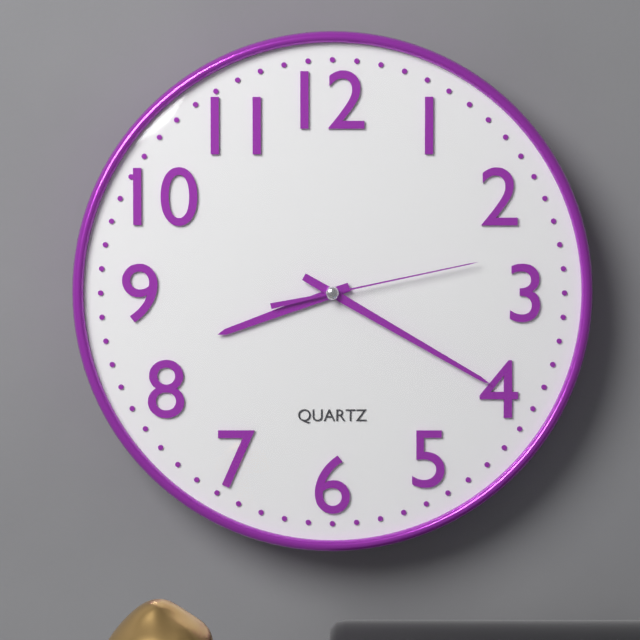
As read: 8.20.13
